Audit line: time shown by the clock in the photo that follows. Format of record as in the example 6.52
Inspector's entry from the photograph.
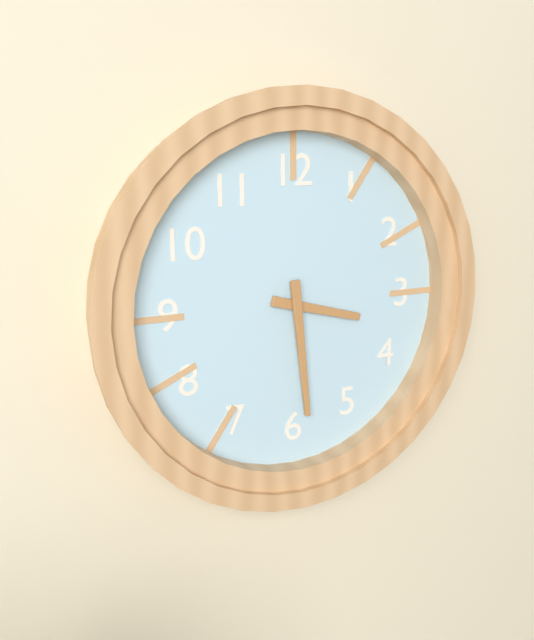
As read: 3.29
